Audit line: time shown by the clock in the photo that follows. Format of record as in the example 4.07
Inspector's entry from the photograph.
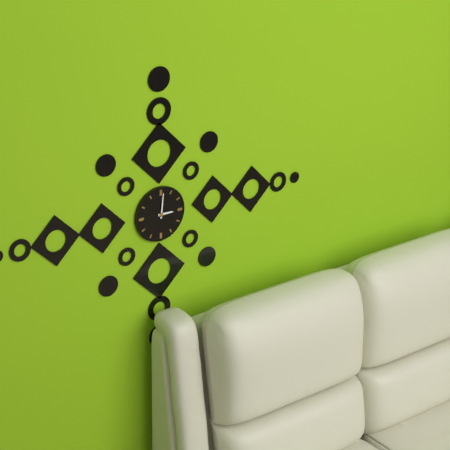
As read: 3.01
